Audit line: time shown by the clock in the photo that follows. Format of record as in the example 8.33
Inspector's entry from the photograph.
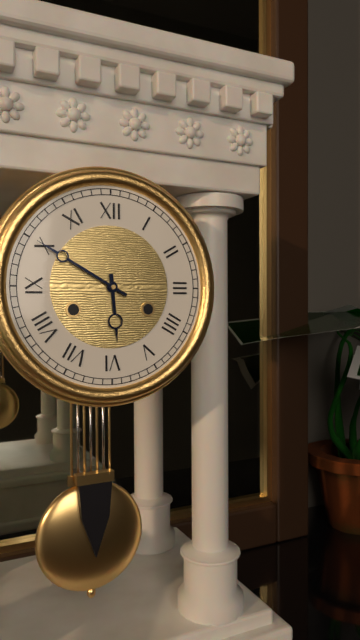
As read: 5.50
